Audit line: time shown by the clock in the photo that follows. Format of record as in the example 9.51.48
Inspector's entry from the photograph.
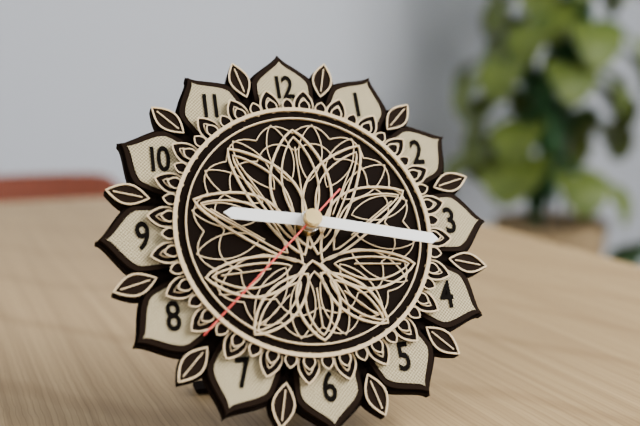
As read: 9.17.38
